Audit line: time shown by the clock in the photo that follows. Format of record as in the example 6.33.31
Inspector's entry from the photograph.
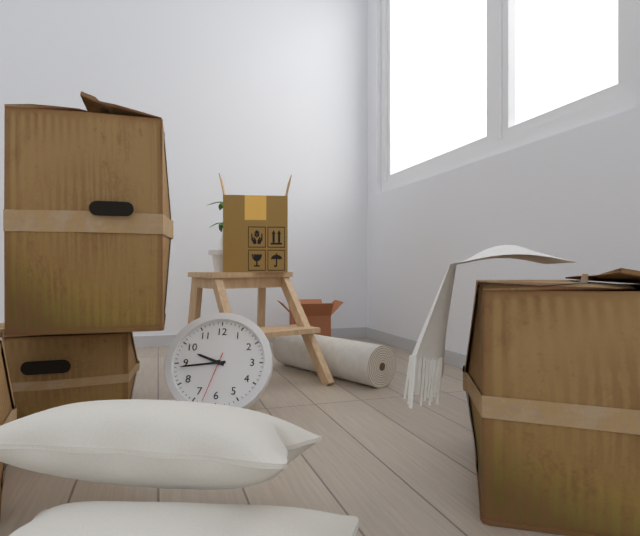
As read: 9.44.33
